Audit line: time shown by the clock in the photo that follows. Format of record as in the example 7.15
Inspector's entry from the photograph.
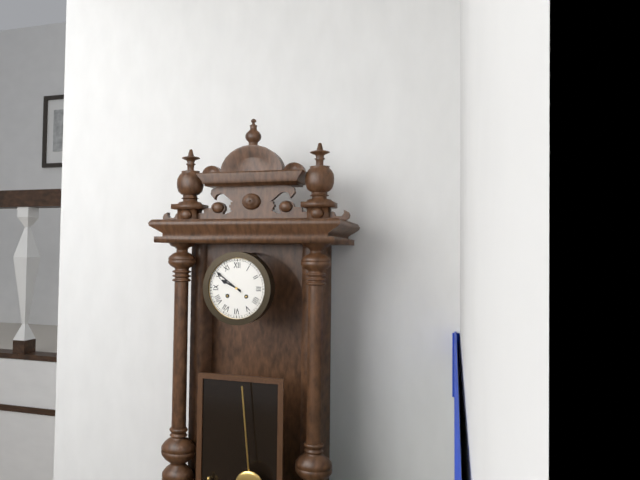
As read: 9.51
